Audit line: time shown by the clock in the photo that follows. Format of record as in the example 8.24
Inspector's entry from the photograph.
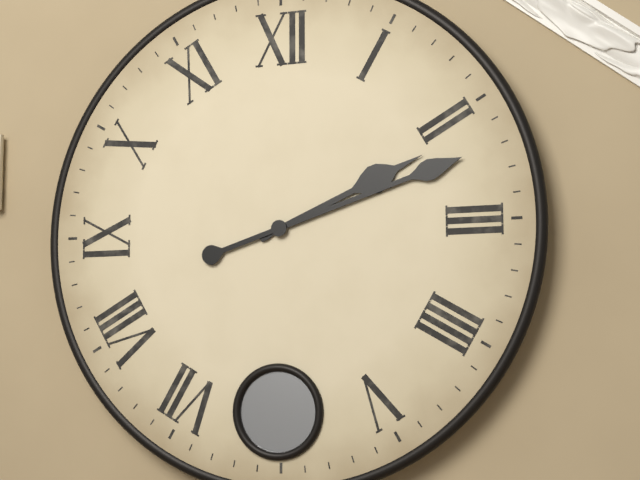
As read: 2.12
